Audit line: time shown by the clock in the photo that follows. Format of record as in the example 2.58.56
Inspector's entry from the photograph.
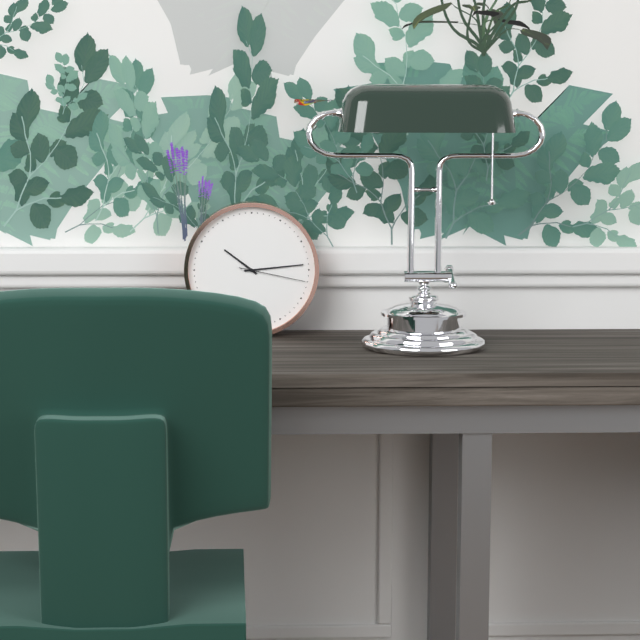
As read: 10.14.17
